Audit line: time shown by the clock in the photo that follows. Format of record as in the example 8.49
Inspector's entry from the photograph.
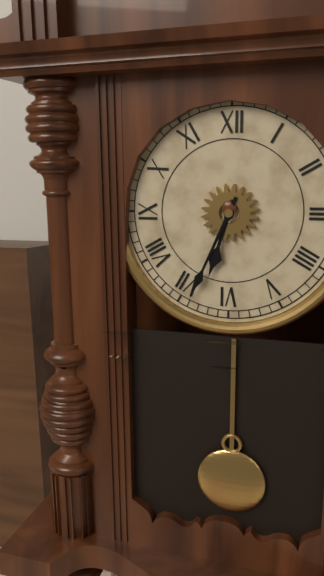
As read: 6.34
